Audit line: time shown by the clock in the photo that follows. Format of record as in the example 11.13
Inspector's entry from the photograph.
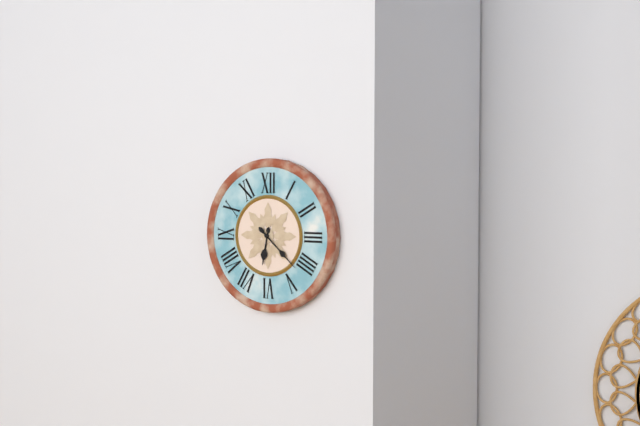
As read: 6.22
